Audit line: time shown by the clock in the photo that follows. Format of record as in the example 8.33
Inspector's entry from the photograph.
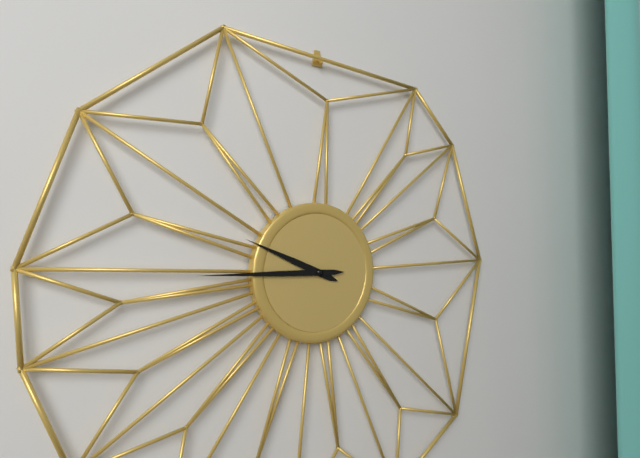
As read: 9.45
